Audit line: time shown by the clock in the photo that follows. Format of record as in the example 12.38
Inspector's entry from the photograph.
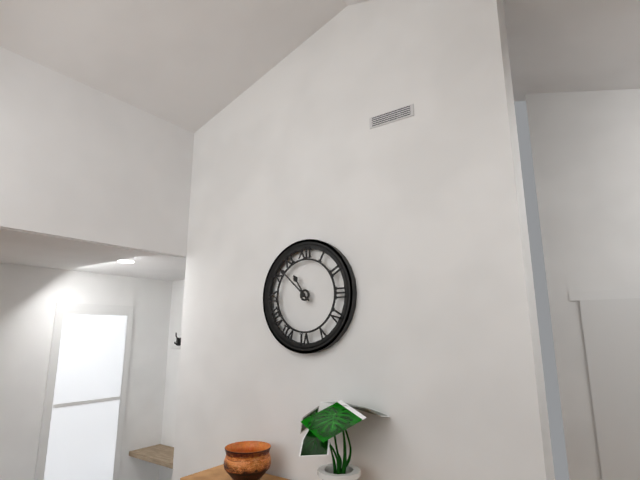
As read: 10.52
